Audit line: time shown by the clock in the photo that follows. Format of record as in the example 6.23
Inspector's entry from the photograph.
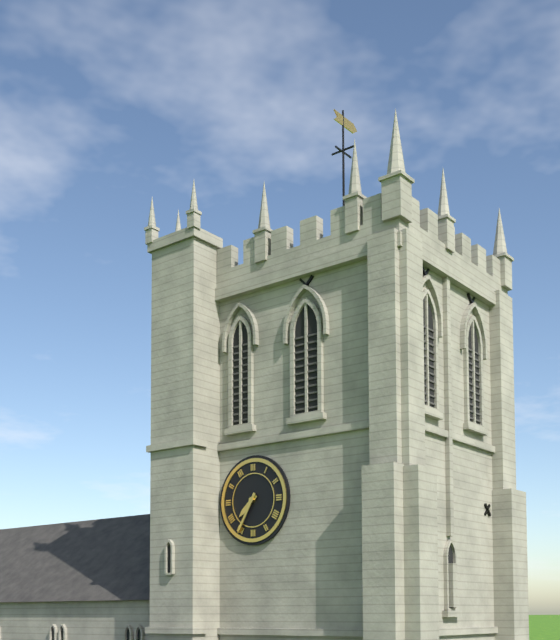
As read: 7.35
